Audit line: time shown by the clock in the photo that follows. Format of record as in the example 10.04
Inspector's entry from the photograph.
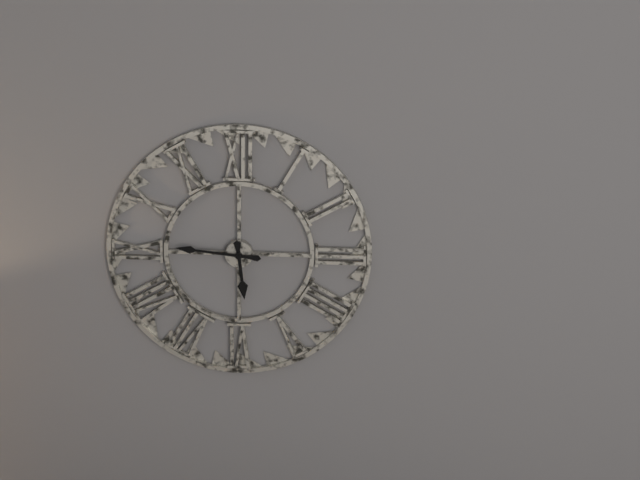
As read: 5.46
